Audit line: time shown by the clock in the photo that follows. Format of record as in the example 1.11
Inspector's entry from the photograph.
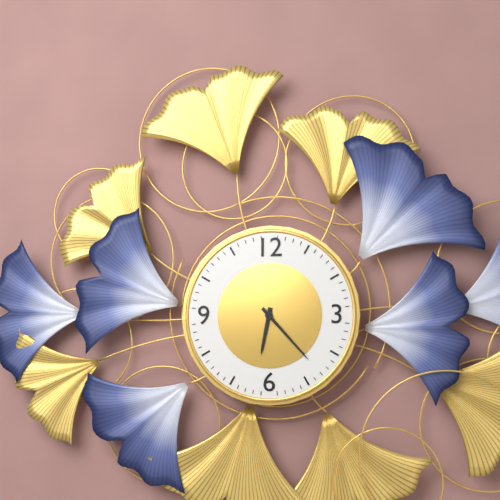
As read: 6.23
